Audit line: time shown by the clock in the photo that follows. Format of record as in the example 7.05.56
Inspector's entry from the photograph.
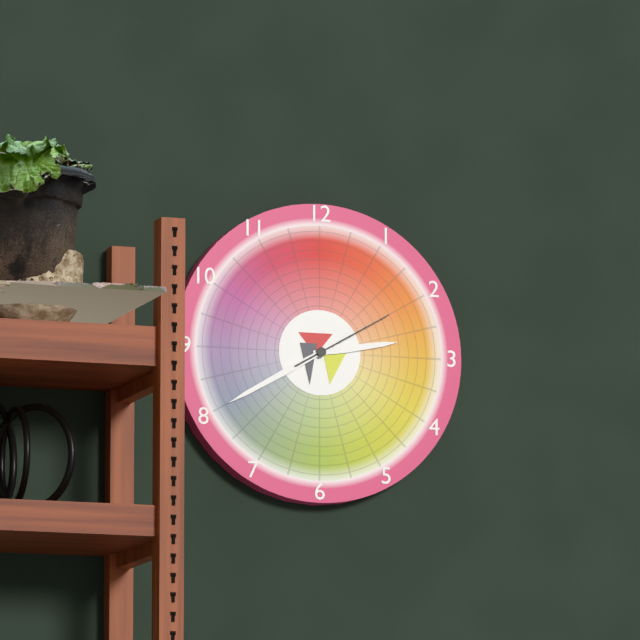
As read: 2.40.10
